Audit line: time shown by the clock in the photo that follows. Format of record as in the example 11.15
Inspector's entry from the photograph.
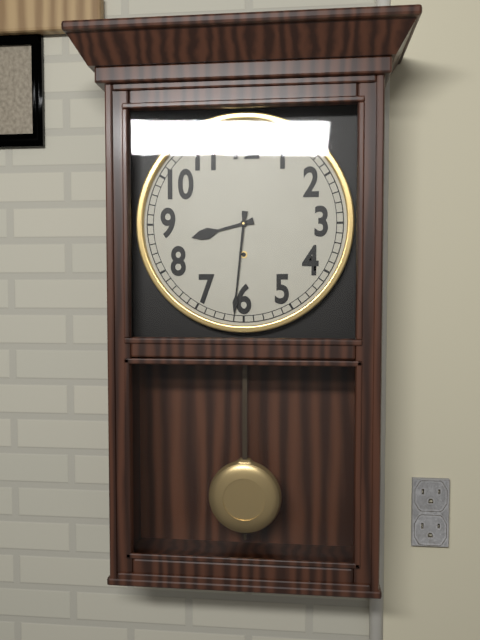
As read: 8.31
